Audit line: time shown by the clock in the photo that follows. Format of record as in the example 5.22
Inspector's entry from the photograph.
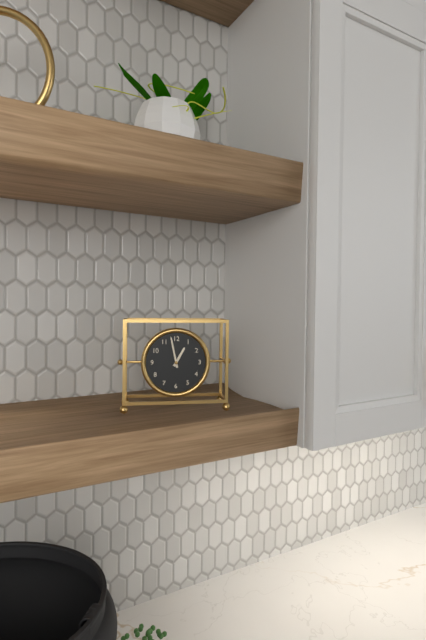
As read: 12.58
